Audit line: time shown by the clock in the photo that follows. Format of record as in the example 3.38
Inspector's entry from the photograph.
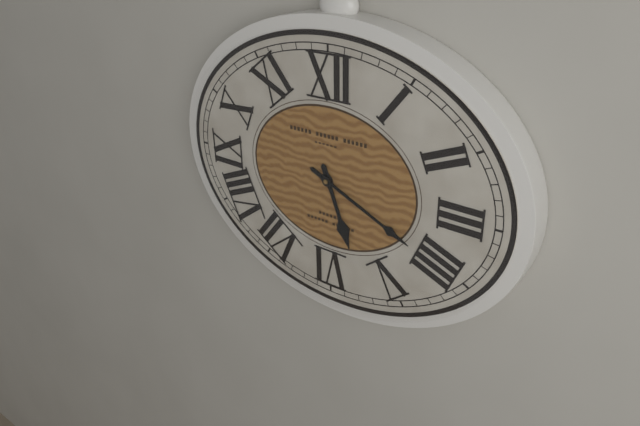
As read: 5.19
